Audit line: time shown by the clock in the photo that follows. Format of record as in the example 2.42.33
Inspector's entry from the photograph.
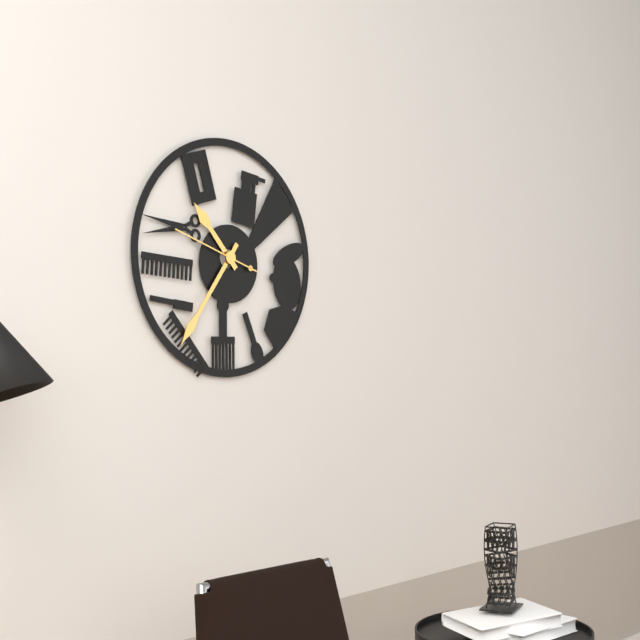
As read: 10.36.48
